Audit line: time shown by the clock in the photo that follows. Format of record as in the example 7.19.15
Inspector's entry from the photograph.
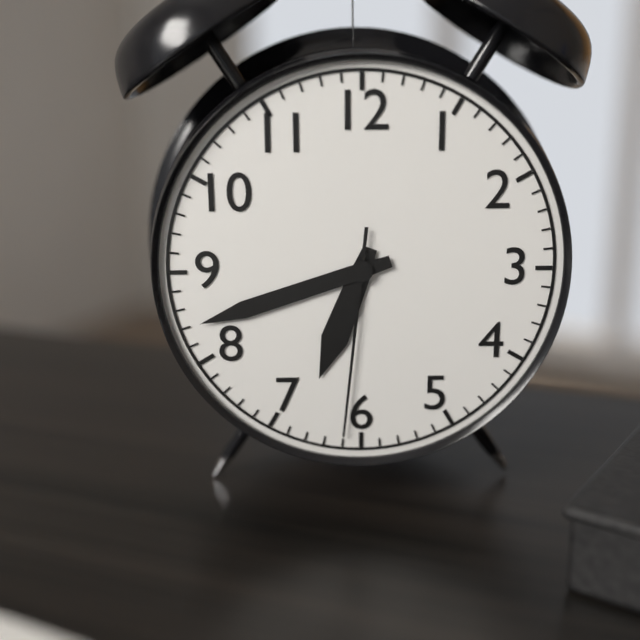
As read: 6.42.31
